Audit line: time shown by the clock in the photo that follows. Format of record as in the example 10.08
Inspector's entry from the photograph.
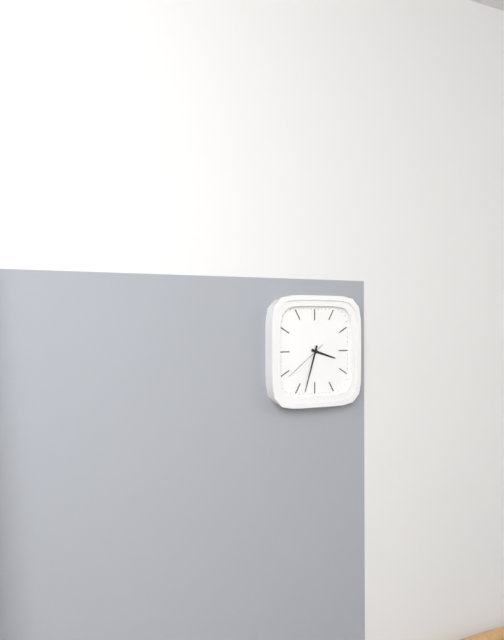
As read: 3.33
